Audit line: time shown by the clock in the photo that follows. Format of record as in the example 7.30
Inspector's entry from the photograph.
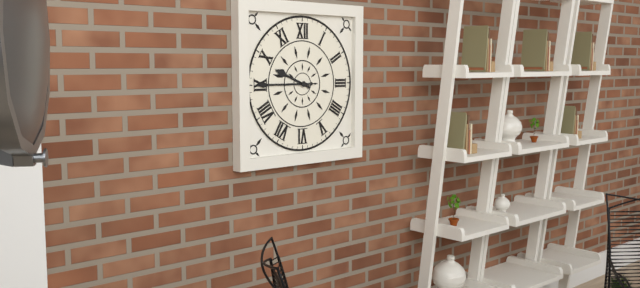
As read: 9.45
